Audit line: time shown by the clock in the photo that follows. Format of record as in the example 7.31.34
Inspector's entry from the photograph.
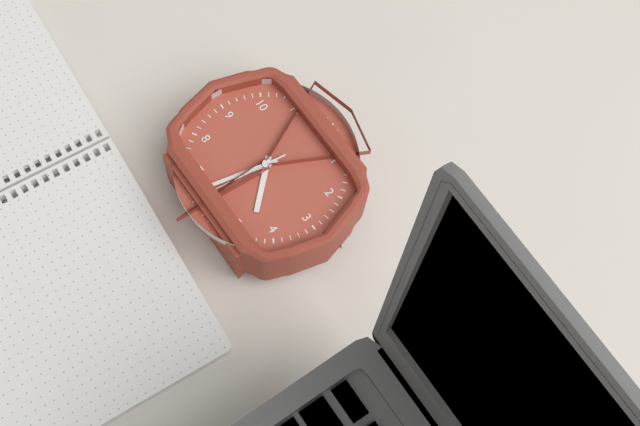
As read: 4.32.31
